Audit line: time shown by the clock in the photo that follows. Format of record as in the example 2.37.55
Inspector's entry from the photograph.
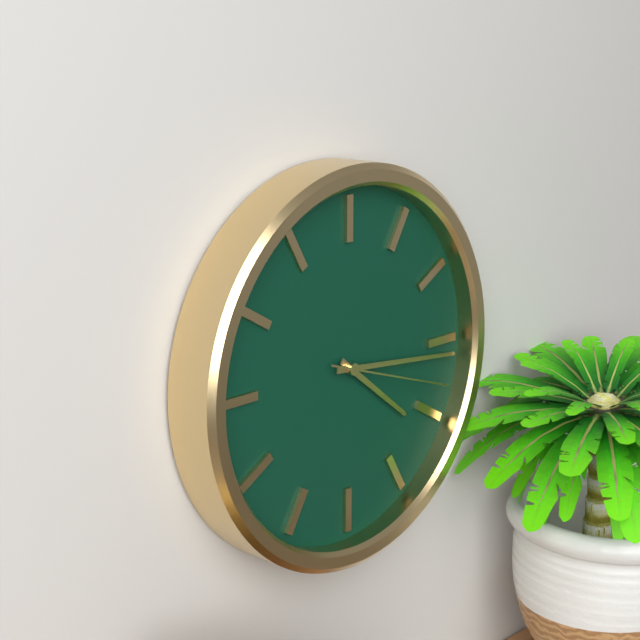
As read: 4.16.18
